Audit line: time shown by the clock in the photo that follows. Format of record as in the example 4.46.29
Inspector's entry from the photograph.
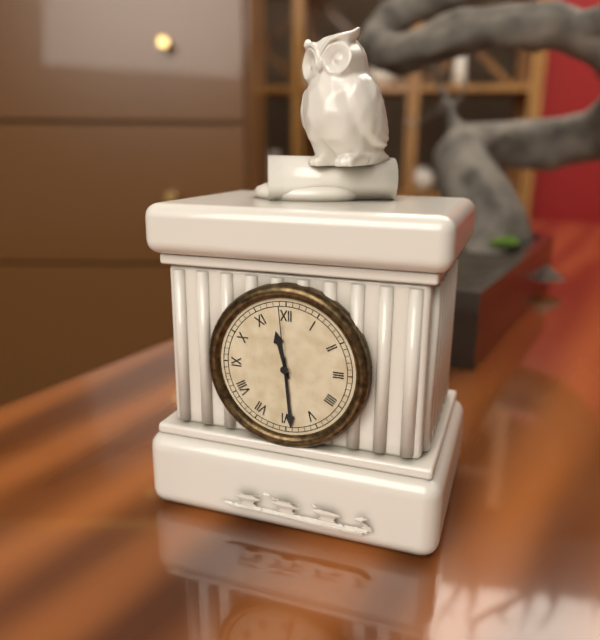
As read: 11.29.59
